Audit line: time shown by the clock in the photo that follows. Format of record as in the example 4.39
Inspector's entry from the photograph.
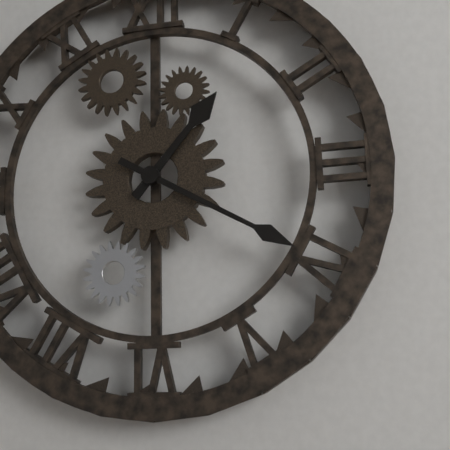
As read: 1.20
